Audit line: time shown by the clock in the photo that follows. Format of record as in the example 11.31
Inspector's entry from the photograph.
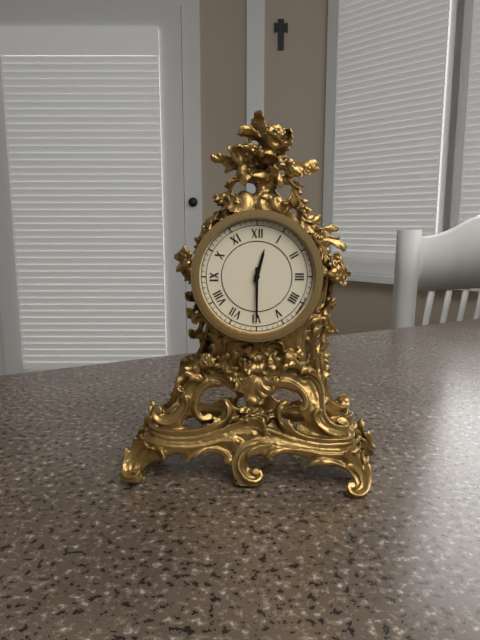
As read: 12.30
